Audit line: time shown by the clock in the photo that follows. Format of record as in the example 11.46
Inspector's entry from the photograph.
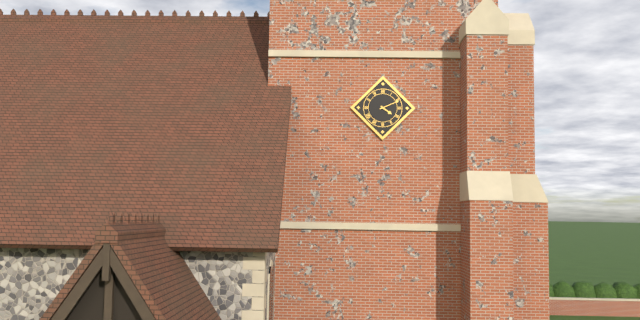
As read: 4.11
